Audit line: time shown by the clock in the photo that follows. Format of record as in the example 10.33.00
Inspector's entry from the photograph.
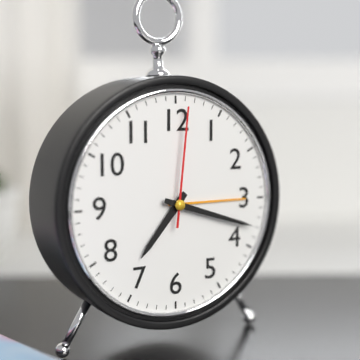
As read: 7.18.01
